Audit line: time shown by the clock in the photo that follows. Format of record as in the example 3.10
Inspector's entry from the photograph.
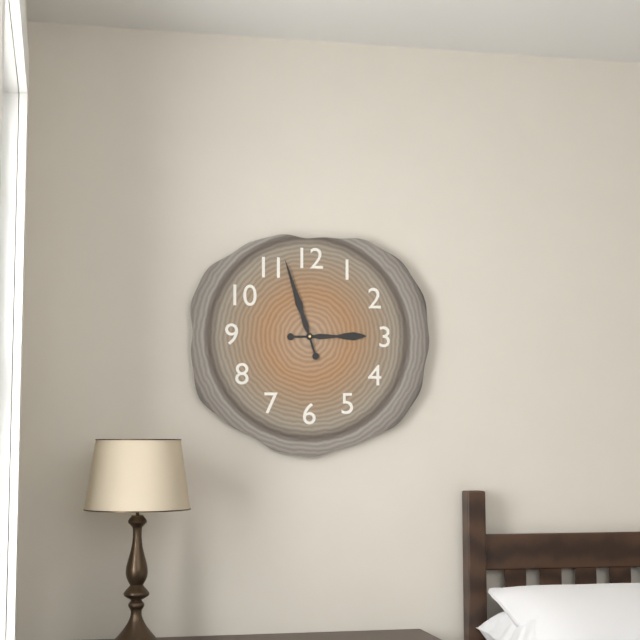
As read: 2.57
